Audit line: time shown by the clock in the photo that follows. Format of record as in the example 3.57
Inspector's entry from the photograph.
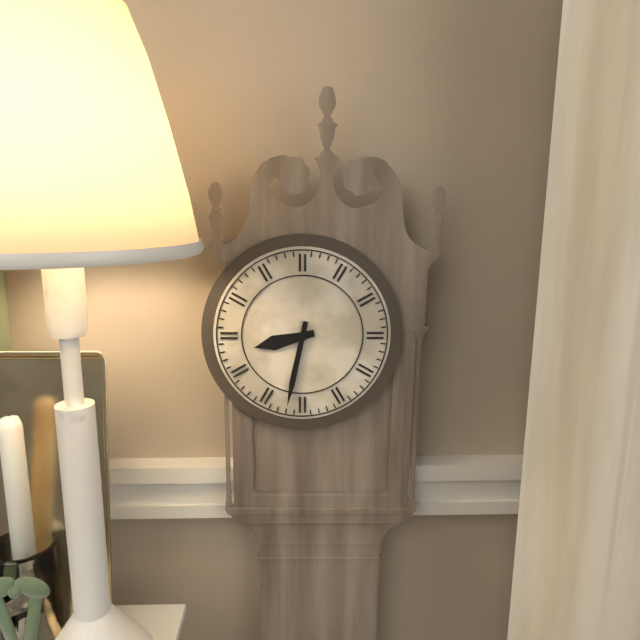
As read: 8.32
